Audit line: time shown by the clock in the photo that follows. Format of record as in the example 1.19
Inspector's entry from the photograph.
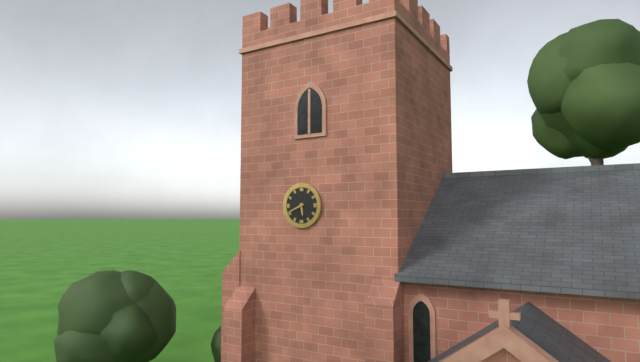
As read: 5.41
